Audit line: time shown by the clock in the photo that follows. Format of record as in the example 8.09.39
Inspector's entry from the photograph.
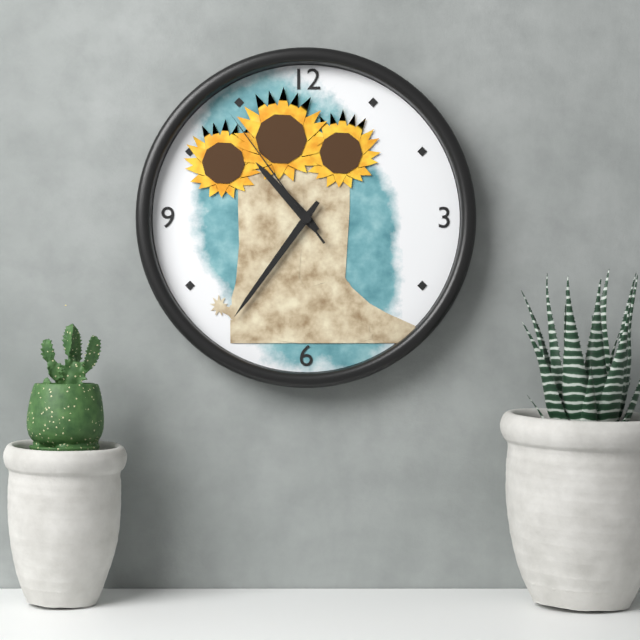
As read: 10.36.54
